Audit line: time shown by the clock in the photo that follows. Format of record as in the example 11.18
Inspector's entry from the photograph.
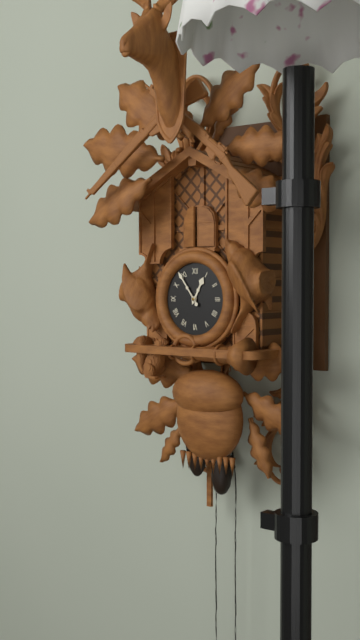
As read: 12.54
